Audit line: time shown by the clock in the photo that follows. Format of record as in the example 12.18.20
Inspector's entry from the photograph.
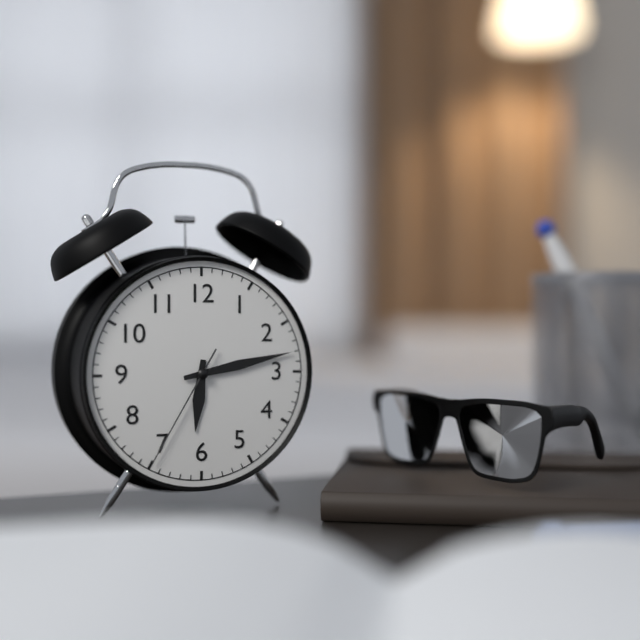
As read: 6.13.35
